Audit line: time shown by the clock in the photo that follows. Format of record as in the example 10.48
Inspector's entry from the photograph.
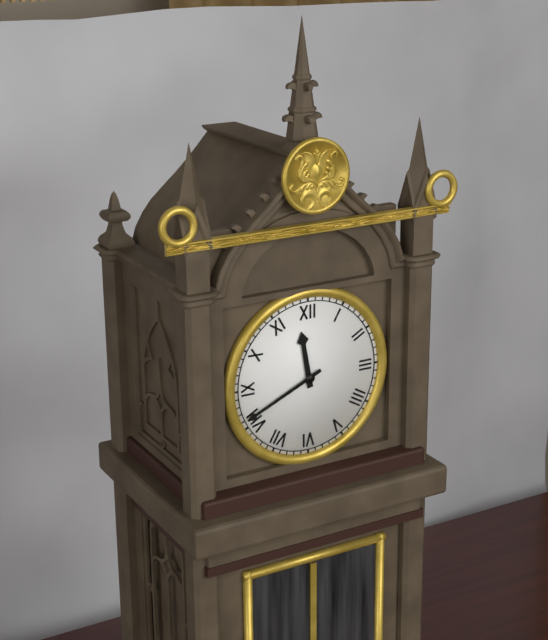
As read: 11.41
